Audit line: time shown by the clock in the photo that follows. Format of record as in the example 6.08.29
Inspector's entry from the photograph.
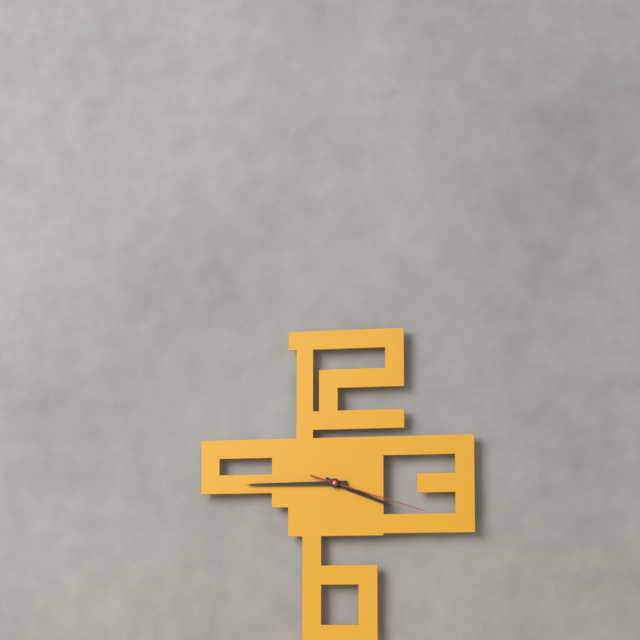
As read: 3.45.18
